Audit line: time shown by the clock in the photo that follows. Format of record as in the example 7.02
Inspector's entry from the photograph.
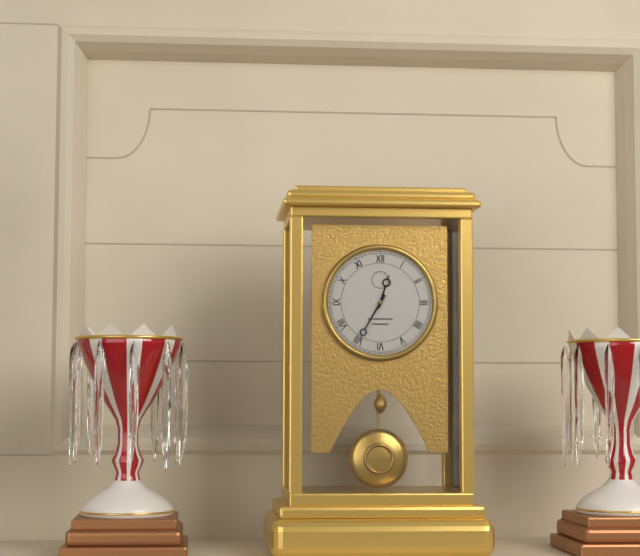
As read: 12.35
